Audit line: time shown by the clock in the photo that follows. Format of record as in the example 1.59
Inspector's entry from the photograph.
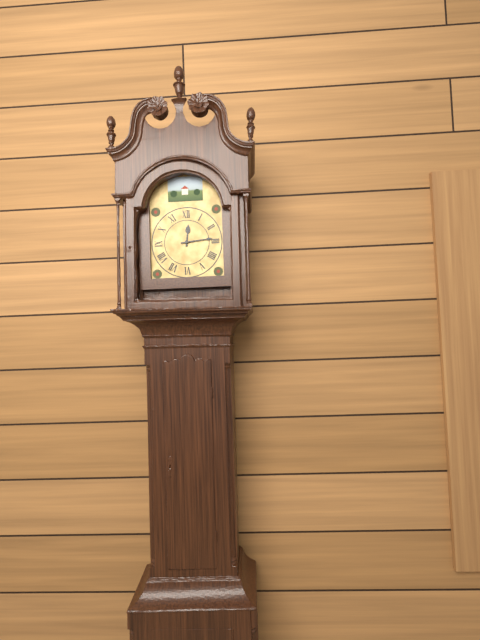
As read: 12.14
